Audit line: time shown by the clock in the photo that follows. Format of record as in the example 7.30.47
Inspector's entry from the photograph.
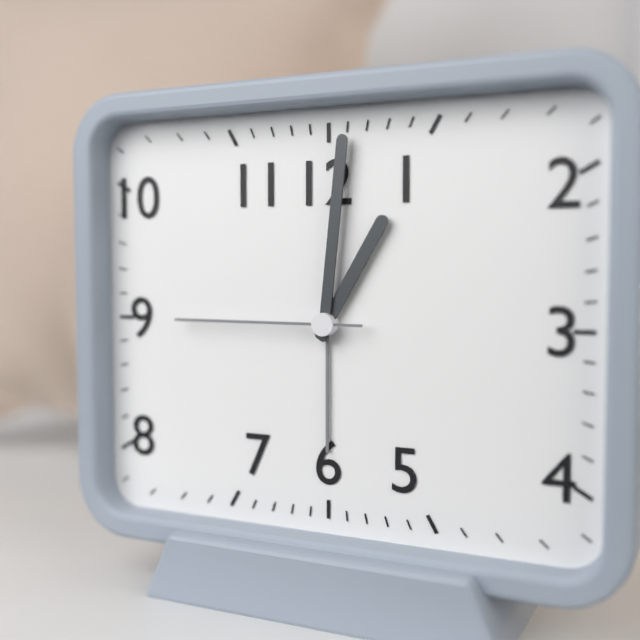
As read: 1.01.45
